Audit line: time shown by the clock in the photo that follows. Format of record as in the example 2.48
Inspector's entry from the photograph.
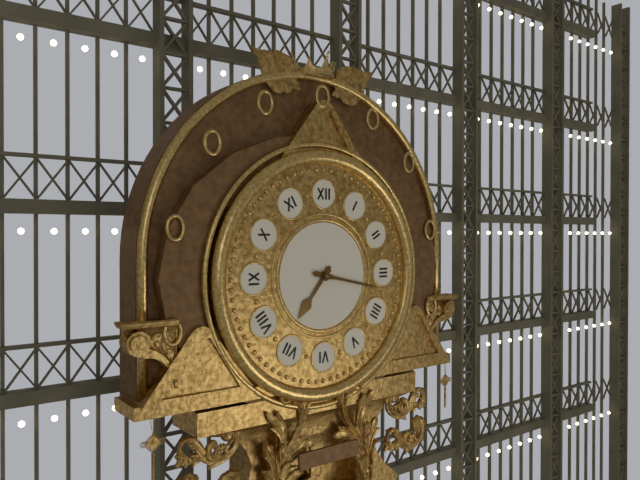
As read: 7.17
